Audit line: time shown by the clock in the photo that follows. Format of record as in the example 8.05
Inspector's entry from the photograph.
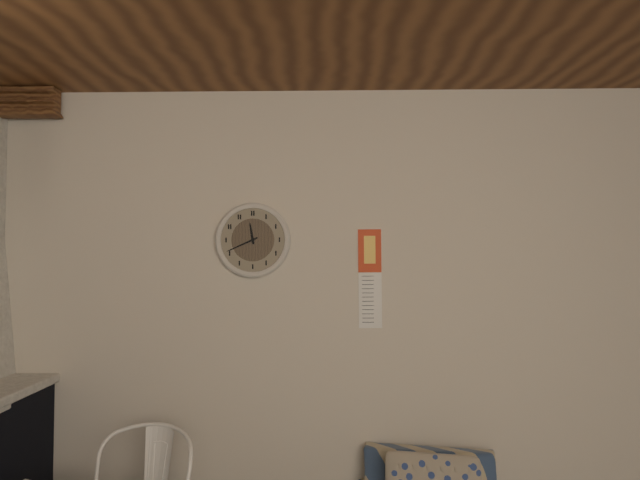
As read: 11.41
